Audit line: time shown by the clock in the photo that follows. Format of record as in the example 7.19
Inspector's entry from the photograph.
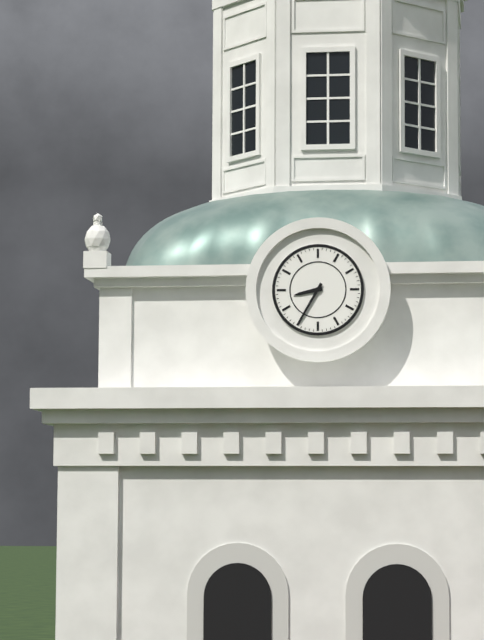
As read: 8.35
